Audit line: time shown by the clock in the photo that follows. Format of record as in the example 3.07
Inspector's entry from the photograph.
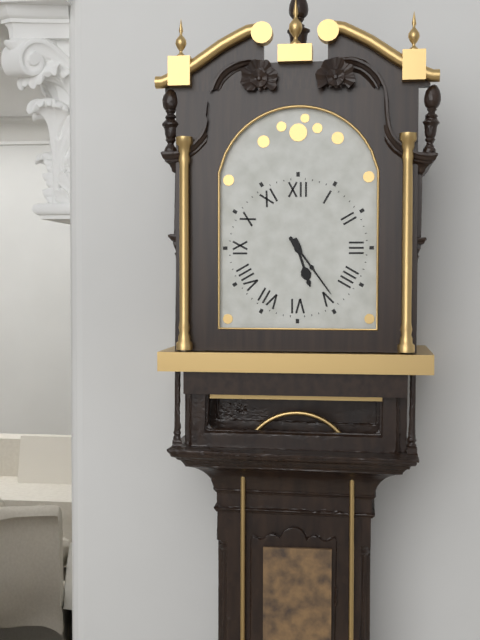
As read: 5.24
